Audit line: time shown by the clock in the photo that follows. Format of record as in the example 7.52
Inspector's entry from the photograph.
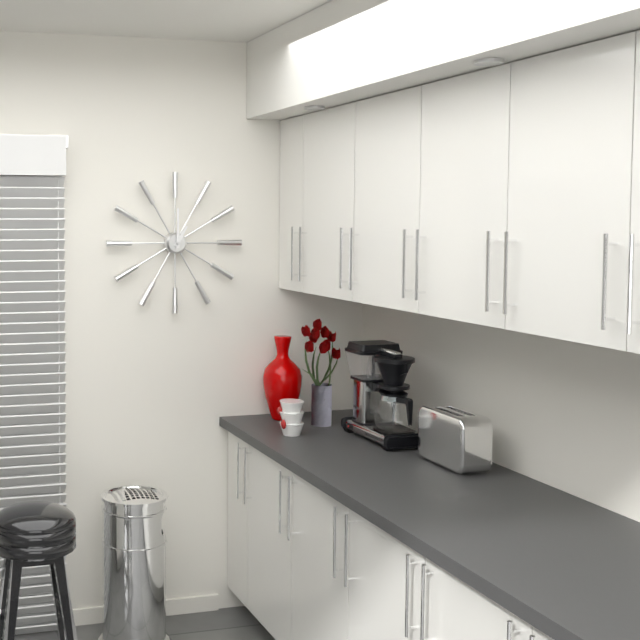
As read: 1.00
